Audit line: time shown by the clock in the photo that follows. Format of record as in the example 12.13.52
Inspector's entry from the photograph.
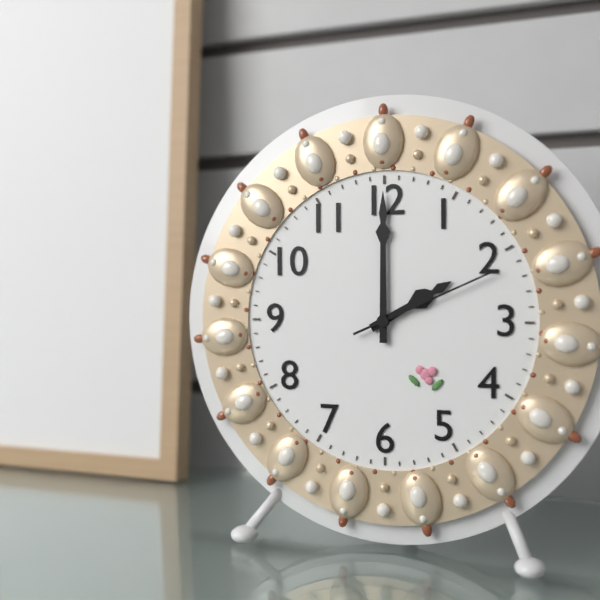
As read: 2.00.11
